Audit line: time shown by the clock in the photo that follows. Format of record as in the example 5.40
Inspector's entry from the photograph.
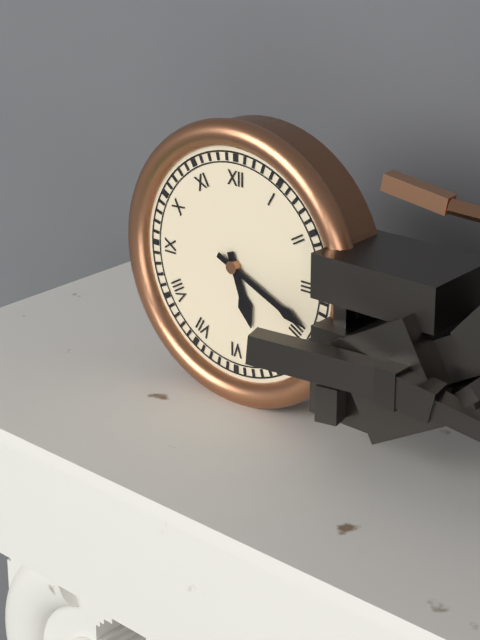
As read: 5.19
